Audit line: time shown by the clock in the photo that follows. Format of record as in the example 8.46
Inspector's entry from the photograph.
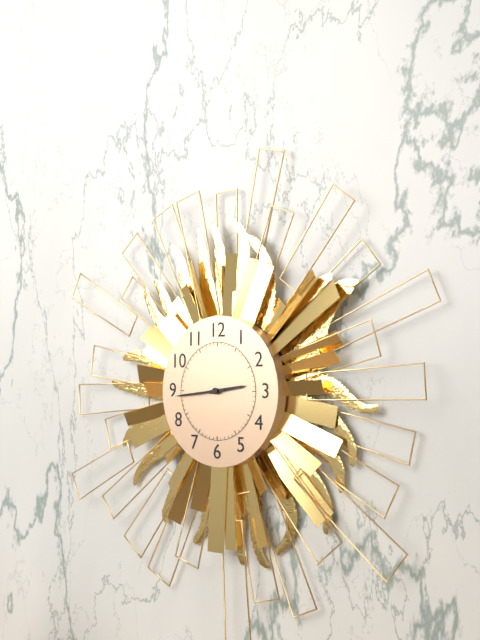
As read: 2.44
